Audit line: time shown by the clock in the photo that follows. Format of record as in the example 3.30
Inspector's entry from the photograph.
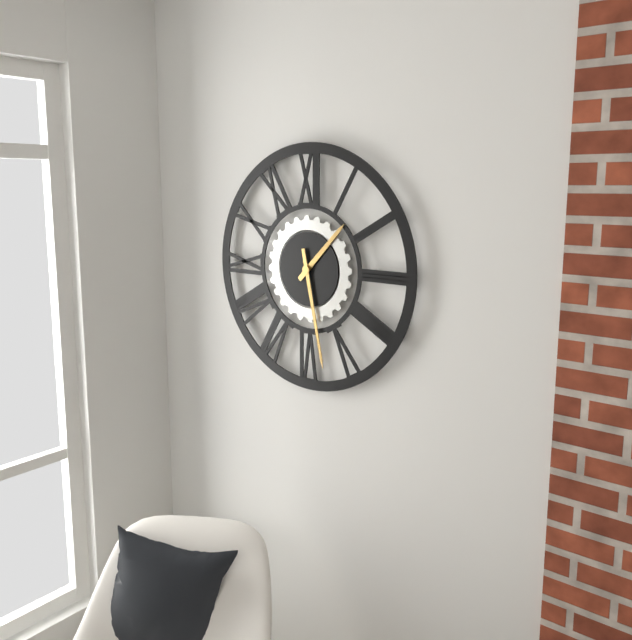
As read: 1.28
